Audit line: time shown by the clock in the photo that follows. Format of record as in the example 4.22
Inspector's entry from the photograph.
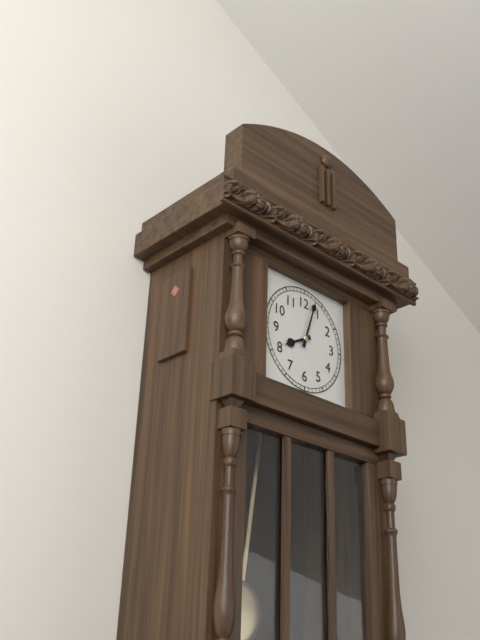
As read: 8.03
